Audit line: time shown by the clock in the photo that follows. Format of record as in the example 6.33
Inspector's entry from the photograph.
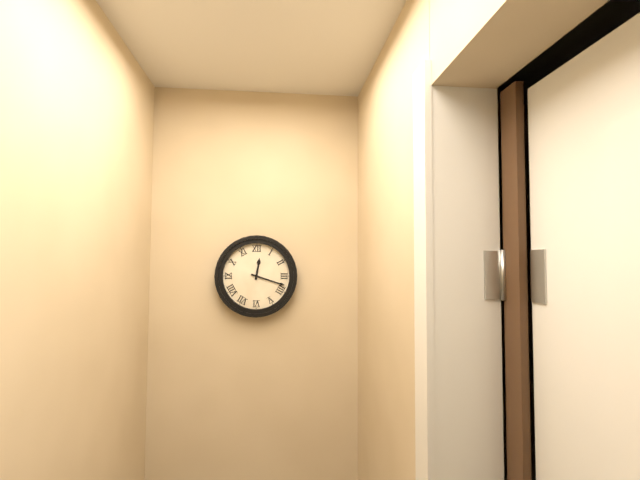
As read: 12.18
